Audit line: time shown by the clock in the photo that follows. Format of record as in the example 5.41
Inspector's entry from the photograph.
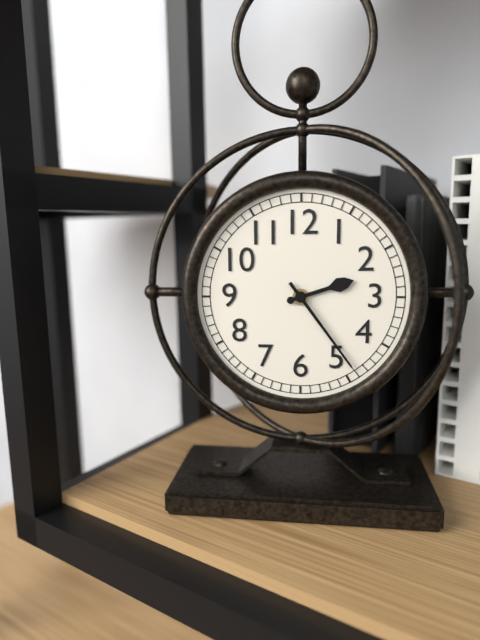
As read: 2.24
